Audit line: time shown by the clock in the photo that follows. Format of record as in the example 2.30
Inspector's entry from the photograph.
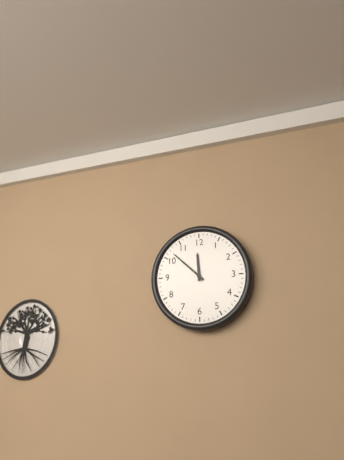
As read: 11.52
